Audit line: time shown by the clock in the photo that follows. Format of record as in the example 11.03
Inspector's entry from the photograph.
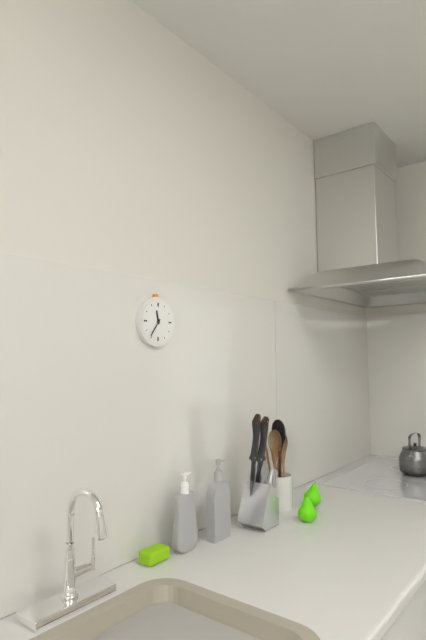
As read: 11.36
